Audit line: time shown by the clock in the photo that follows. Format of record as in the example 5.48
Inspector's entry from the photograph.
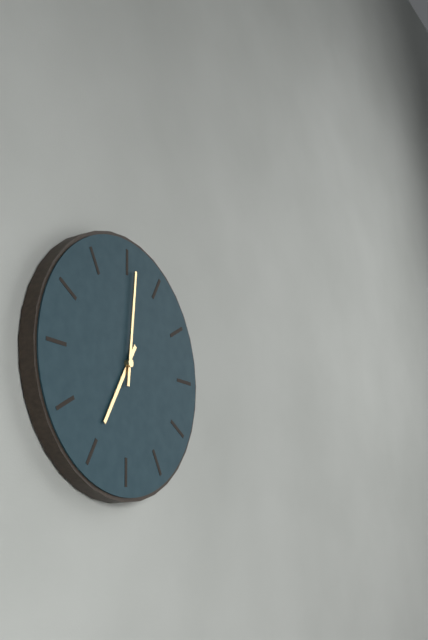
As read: 7.01
